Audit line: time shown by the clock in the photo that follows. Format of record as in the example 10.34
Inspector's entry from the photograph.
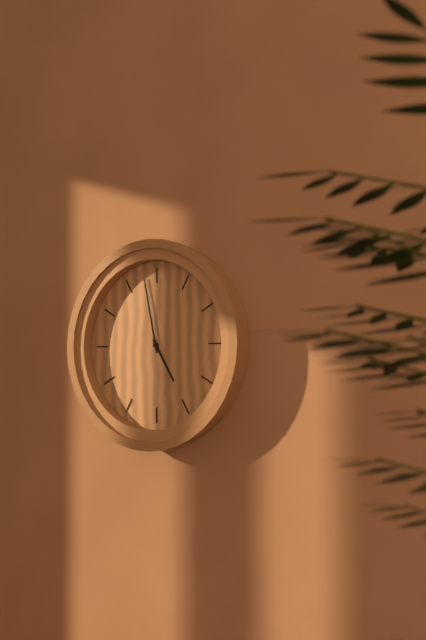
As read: 4.58
